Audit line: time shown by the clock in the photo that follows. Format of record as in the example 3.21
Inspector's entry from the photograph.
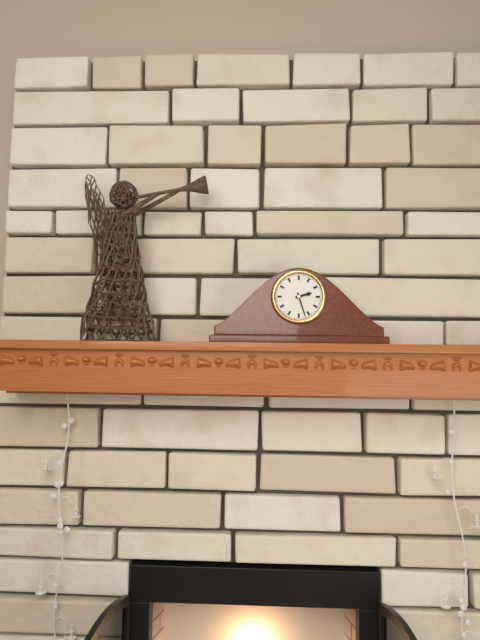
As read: 2.27
